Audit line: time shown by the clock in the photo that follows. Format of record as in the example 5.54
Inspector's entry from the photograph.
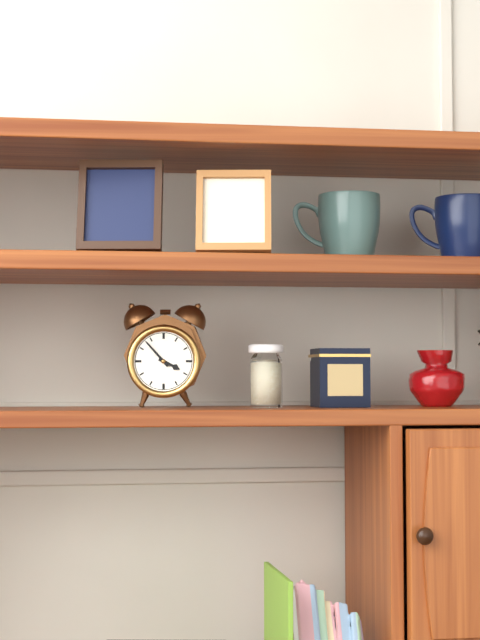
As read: 3.53
